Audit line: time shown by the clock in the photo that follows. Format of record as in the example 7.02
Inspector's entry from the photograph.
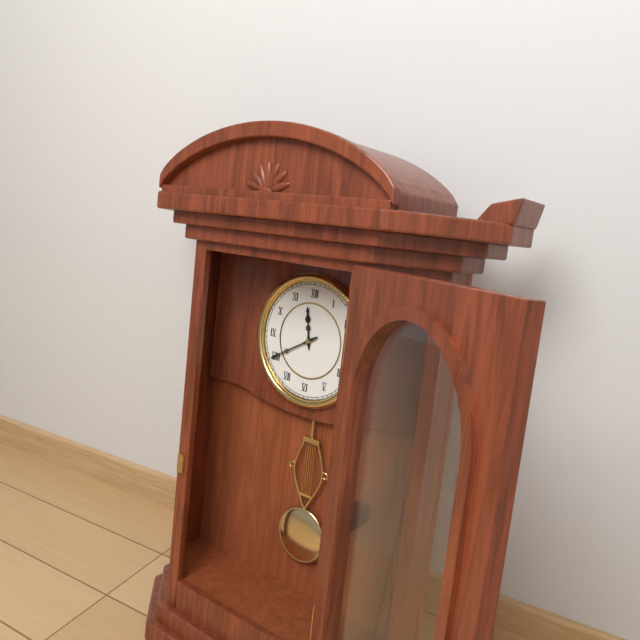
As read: 11.40
